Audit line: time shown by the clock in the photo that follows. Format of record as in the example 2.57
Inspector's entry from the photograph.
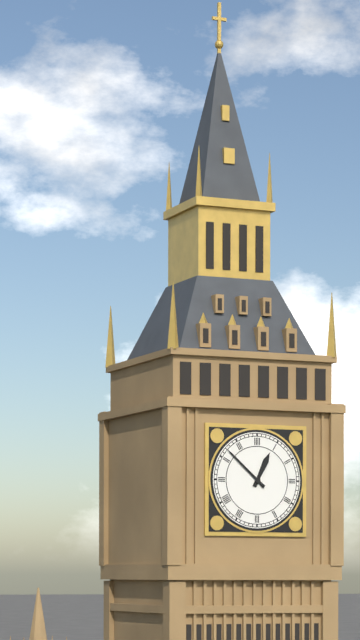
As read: 12.52
